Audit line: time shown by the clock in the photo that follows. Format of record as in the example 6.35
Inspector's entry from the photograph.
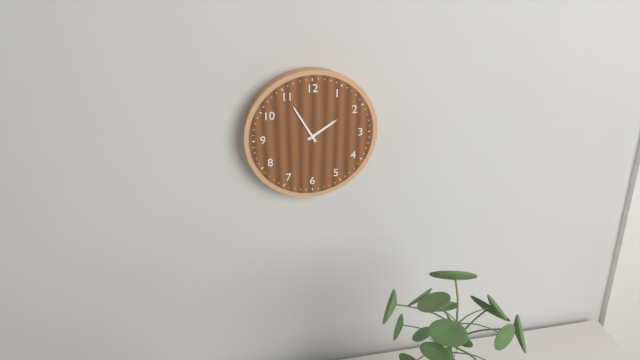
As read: 1.55
